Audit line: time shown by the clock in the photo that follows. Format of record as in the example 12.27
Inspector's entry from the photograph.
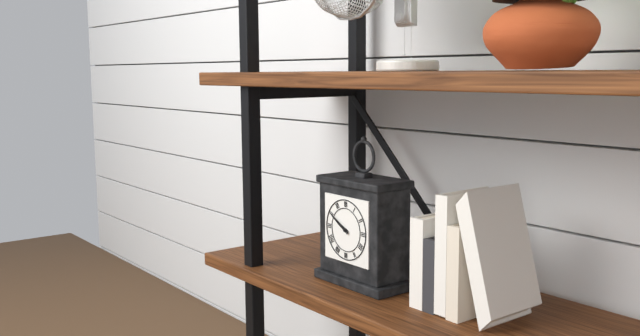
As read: 9.50
